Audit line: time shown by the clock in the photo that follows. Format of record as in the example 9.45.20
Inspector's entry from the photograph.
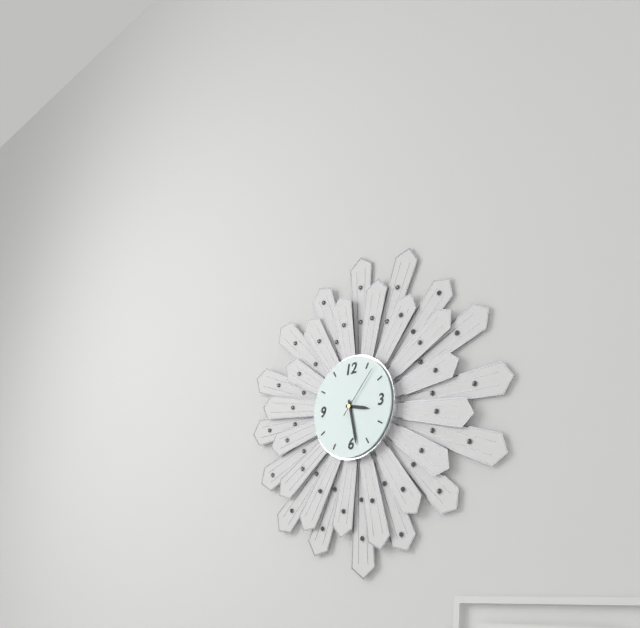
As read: 3.28.07
